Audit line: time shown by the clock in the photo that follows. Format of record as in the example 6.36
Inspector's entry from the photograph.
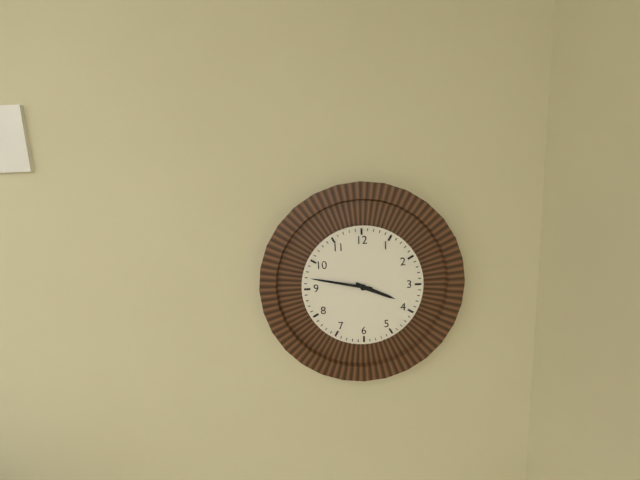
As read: 3.47
